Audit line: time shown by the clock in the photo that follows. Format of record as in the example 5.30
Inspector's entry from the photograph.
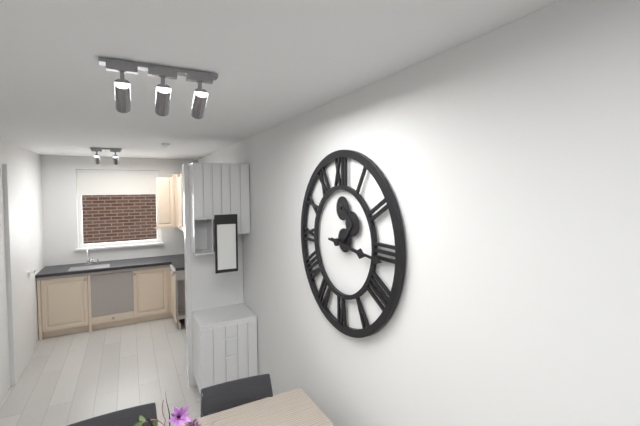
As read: 3.16
